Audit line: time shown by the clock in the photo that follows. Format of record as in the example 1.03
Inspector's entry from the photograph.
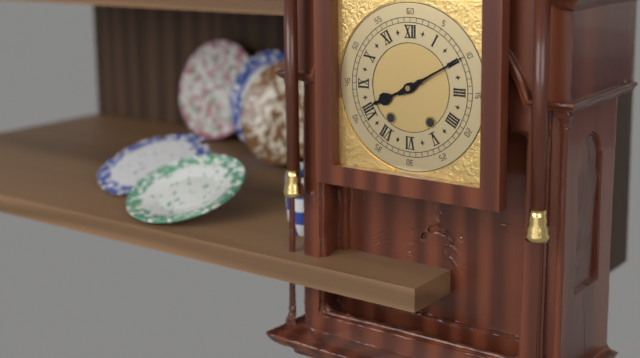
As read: 8.10
